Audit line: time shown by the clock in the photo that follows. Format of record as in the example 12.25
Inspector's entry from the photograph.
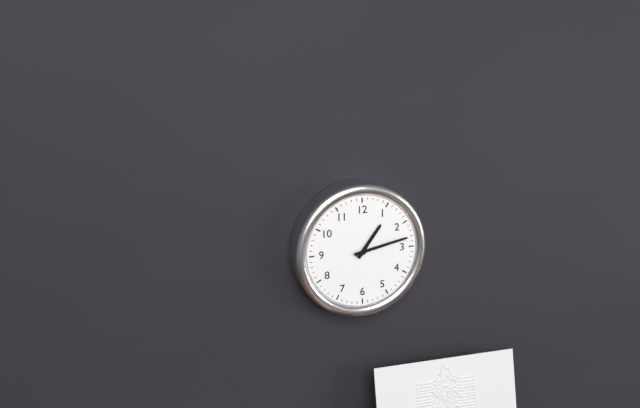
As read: 1.13
